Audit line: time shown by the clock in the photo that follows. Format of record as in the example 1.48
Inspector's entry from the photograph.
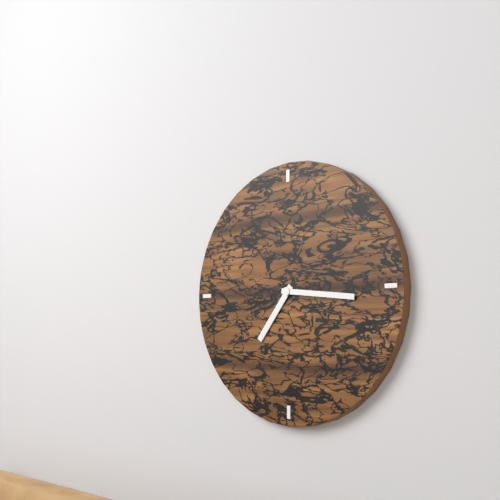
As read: 7.16
